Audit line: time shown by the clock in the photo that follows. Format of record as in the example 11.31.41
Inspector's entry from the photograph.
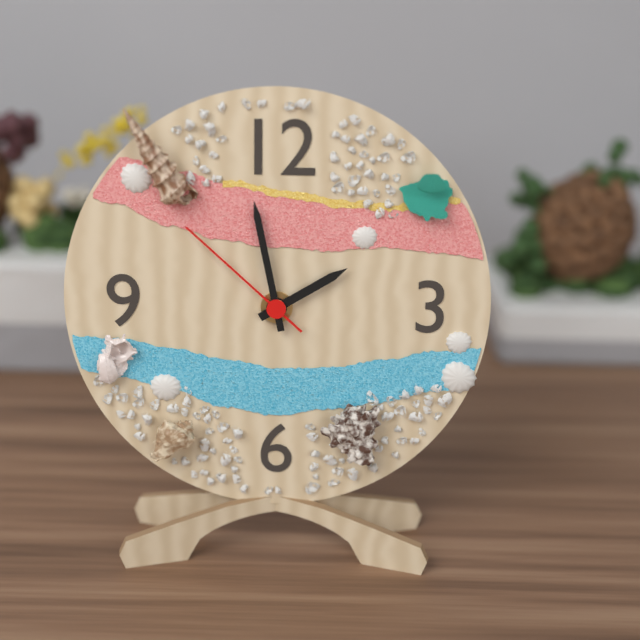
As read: 1.58.52
